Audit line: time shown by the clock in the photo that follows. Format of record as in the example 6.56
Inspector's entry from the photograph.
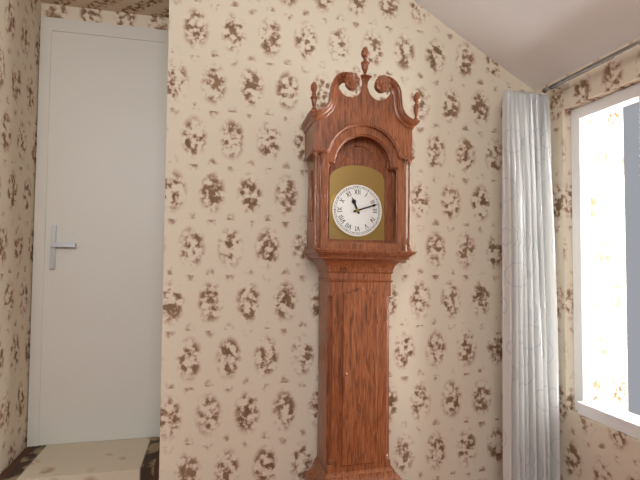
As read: 11.12
